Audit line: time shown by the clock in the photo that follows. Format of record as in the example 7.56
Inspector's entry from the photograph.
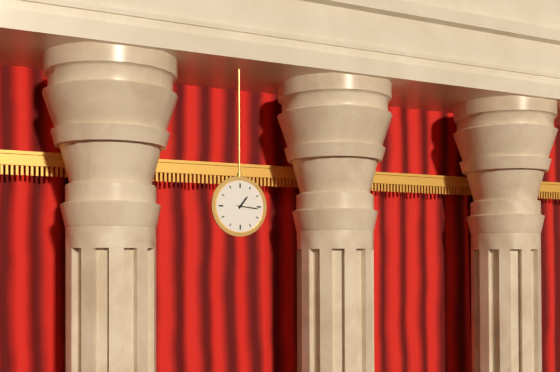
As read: 1.16
